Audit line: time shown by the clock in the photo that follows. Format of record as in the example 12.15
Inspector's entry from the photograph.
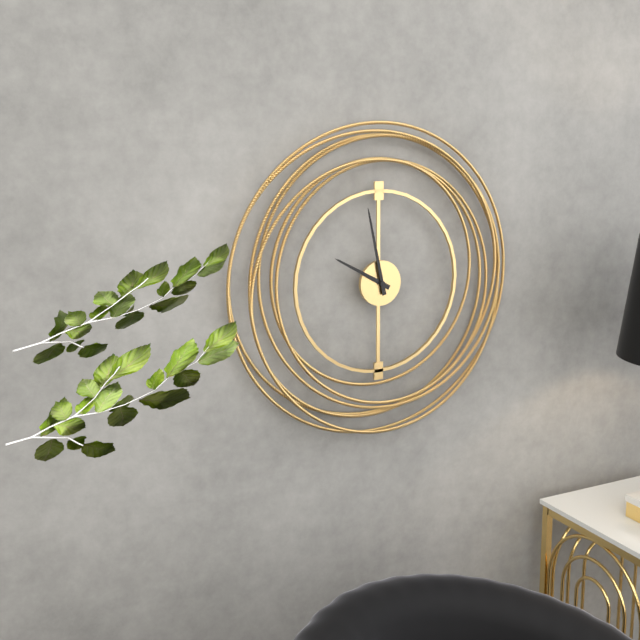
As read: 9.58
